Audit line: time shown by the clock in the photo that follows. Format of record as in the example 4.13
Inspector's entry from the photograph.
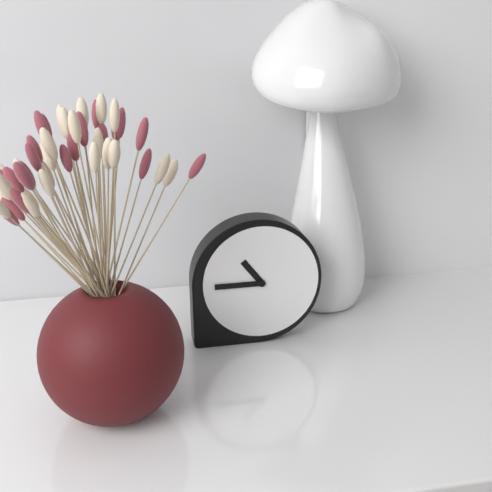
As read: 10.45
